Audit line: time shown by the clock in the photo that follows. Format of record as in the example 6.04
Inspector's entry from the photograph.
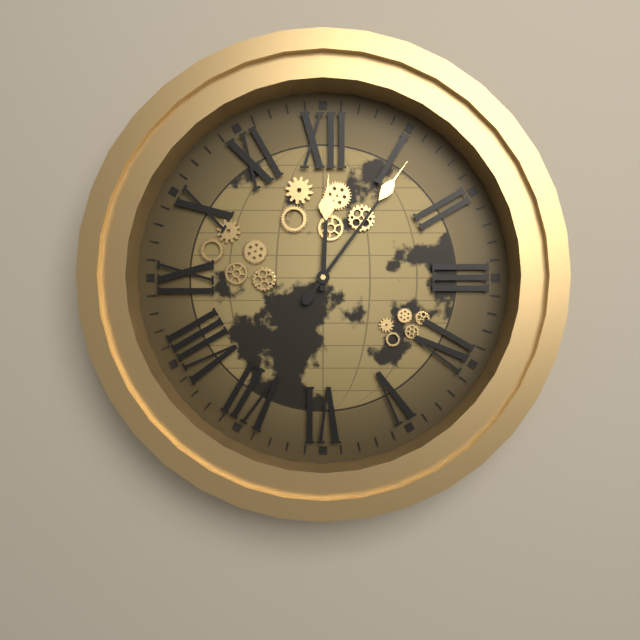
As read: 12.06
